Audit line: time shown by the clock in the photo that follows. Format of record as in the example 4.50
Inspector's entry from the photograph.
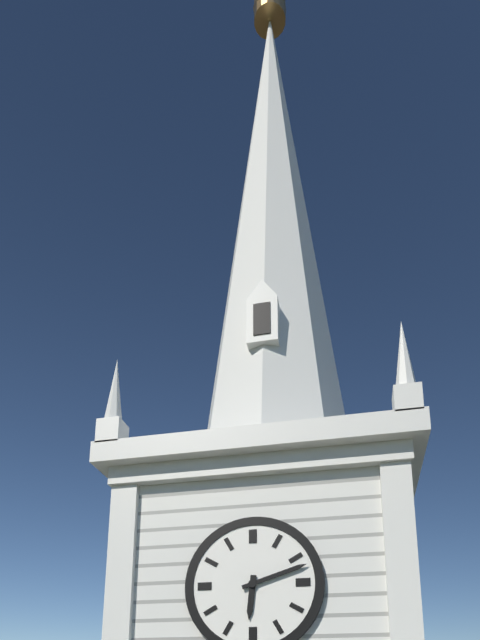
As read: 6.12
